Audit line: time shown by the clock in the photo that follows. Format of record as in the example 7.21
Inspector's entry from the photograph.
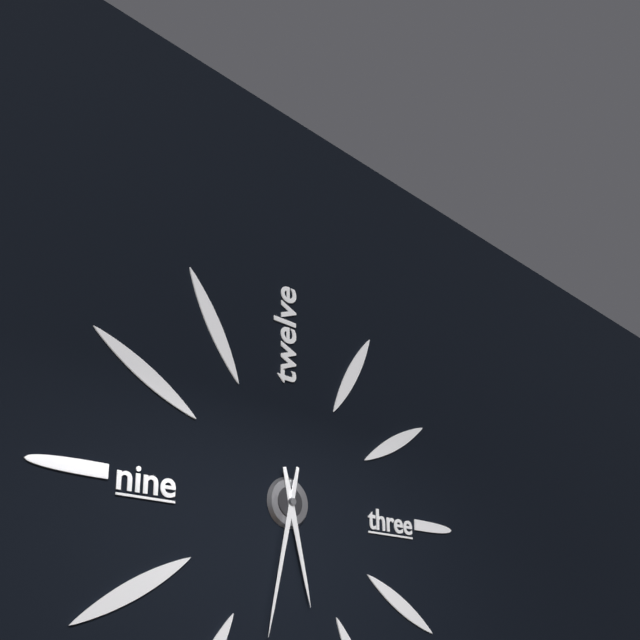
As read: 5.32
